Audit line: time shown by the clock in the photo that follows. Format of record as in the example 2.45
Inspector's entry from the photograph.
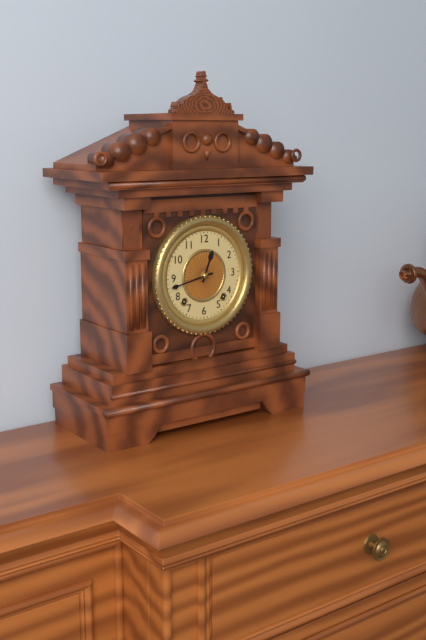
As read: 12.43
